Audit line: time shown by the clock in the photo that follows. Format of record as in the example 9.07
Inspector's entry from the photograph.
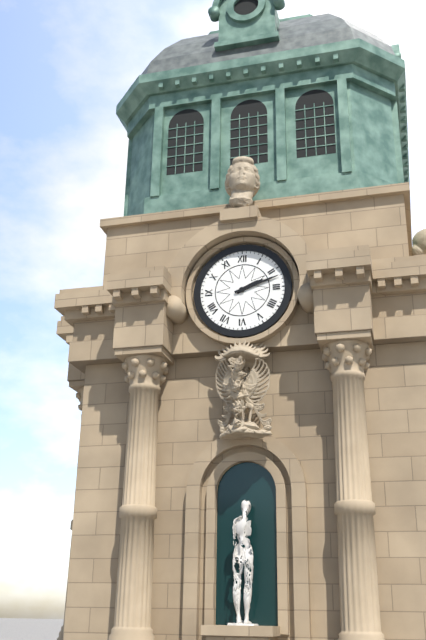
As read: 2.12
